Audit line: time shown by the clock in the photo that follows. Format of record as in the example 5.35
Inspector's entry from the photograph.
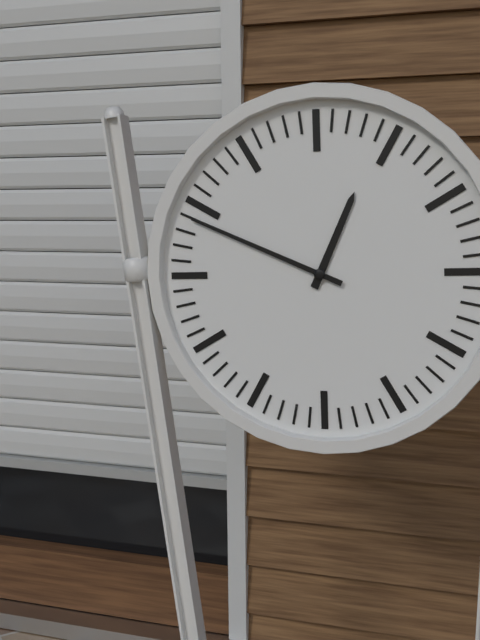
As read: 12.49
